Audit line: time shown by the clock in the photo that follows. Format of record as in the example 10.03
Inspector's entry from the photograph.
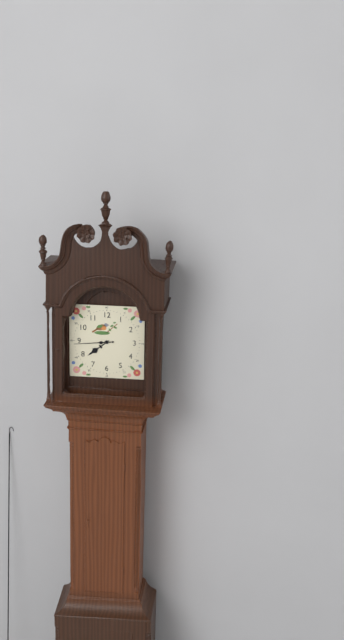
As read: 7.44
